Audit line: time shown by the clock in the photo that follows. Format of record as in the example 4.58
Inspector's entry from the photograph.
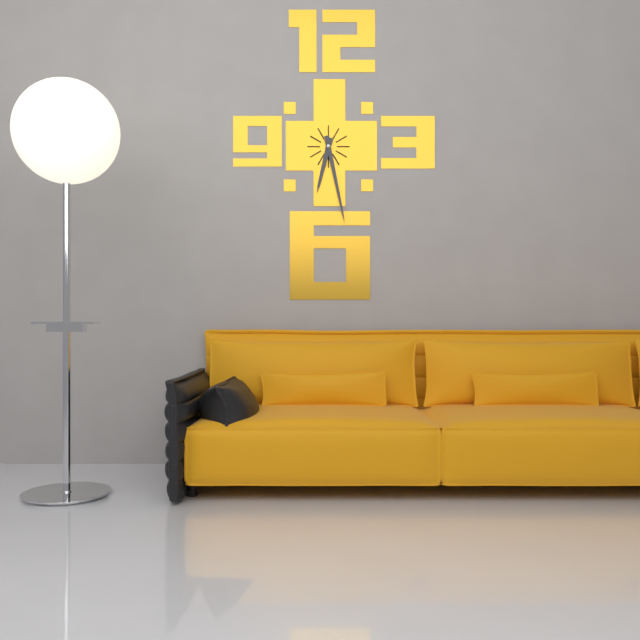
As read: 6.28
